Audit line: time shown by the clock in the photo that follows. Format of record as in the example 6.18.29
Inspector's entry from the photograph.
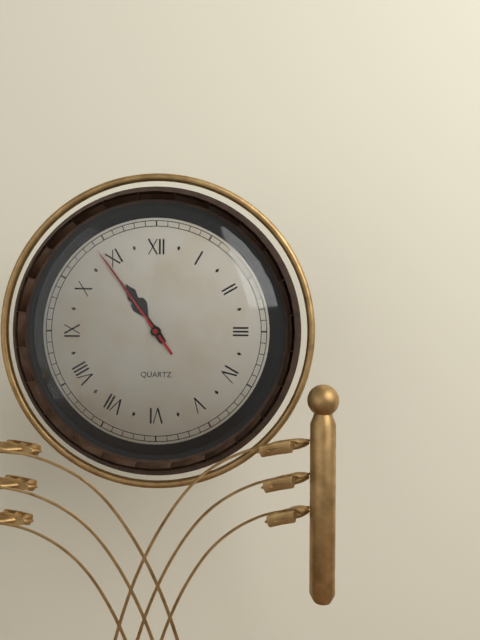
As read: 10.54.54
